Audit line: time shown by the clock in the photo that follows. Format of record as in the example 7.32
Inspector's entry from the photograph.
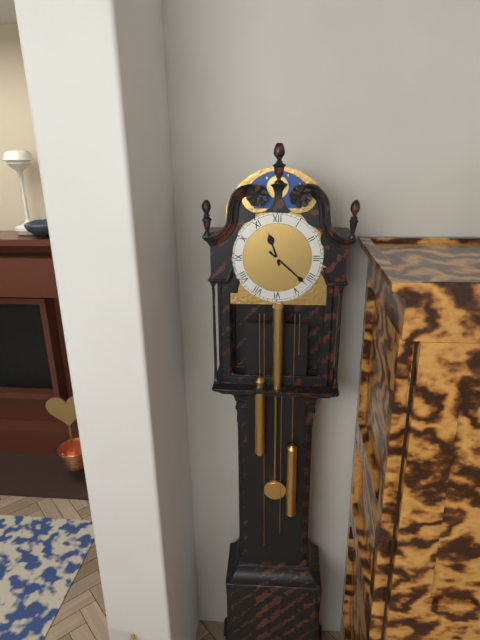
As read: 11.22
